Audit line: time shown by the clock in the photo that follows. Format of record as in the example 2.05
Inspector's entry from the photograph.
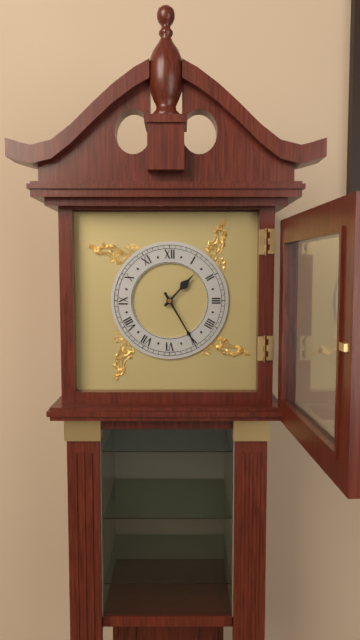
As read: 1.25
